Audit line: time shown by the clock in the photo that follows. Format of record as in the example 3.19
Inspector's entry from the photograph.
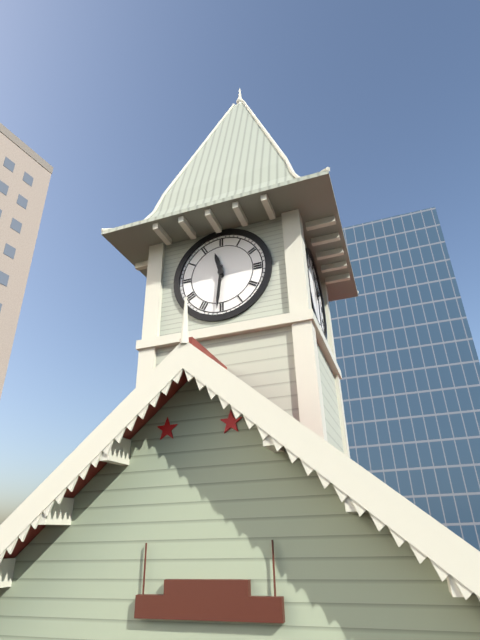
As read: 11.31
